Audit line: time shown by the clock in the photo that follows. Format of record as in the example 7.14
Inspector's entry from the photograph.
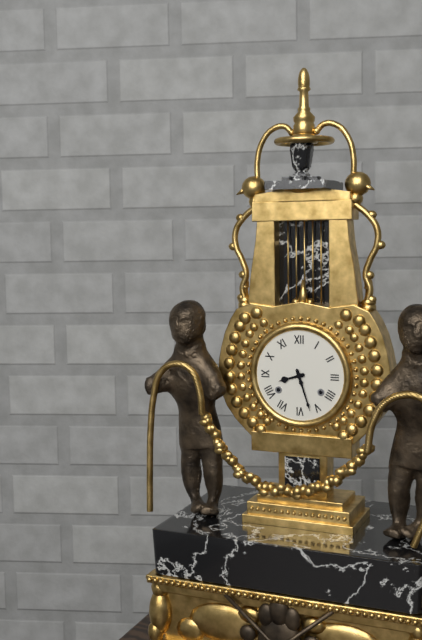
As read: 8.27
